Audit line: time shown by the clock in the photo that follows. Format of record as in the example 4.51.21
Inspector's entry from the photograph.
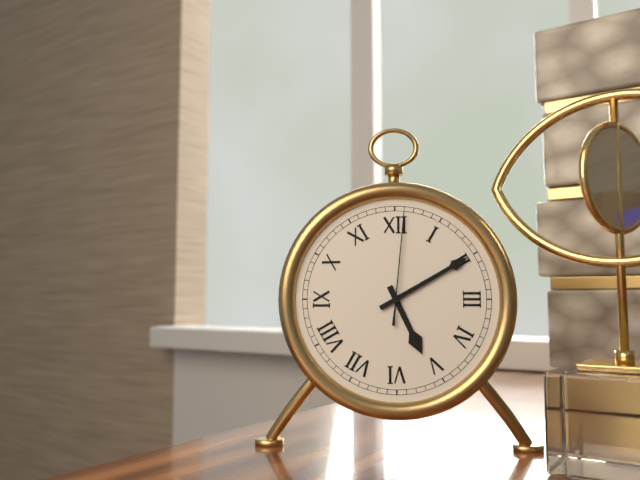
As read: 5.10.01
